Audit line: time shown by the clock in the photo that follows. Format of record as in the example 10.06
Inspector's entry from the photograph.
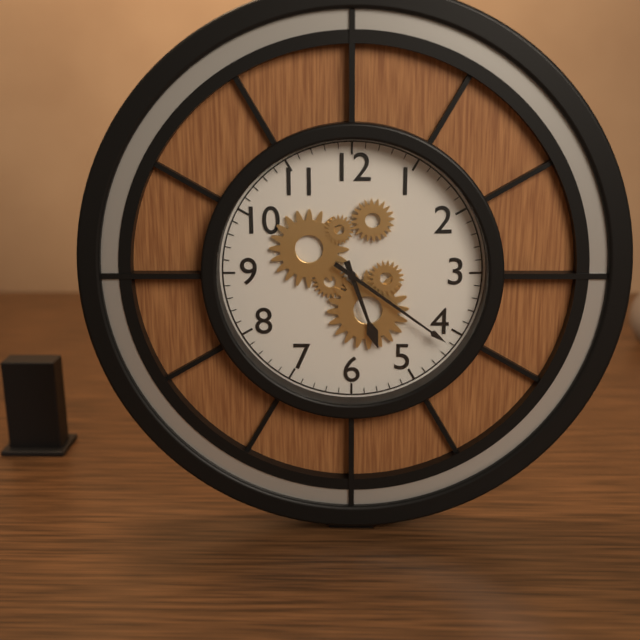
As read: 5.21
